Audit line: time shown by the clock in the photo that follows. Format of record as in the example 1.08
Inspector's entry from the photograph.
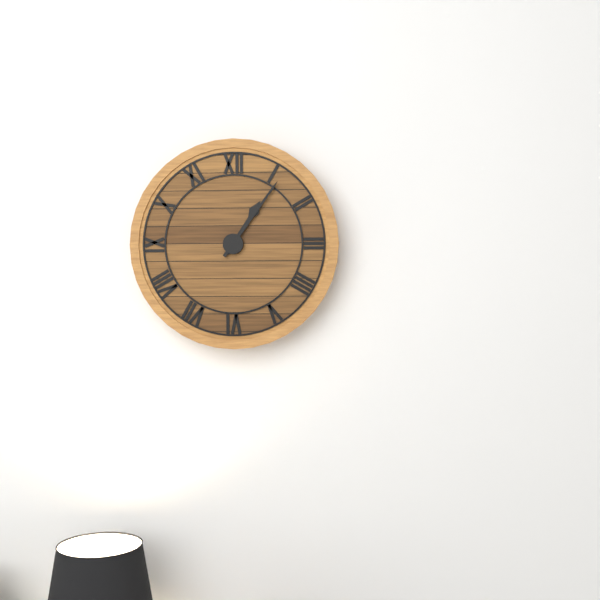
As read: 1.06
